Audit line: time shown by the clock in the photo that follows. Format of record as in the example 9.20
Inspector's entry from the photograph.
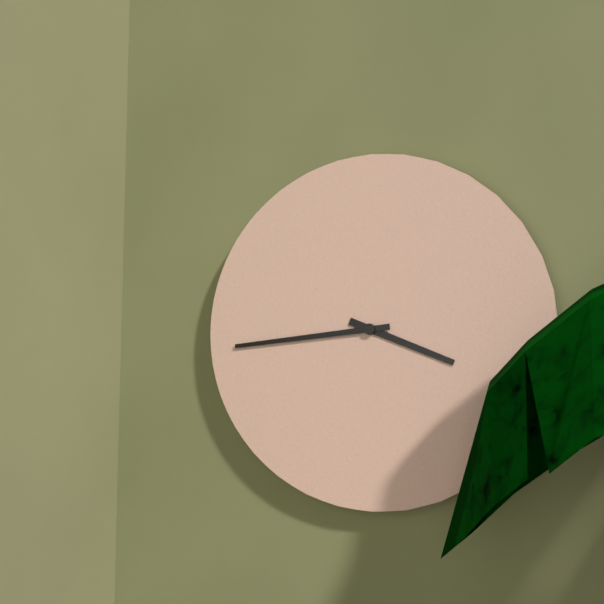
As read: 3.44
